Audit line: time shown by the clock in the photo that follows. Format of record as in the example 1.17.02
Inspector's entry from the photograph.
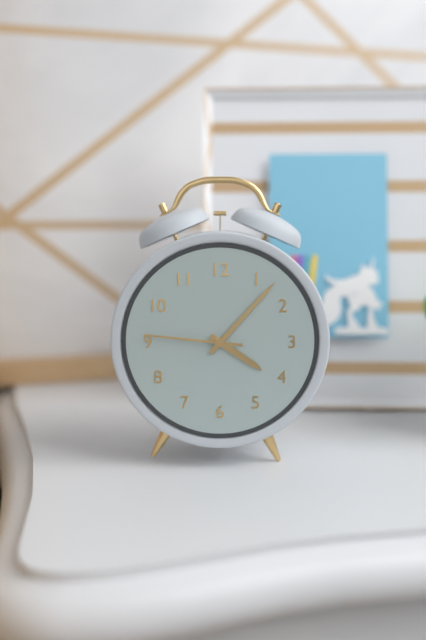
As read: 4.07.46
